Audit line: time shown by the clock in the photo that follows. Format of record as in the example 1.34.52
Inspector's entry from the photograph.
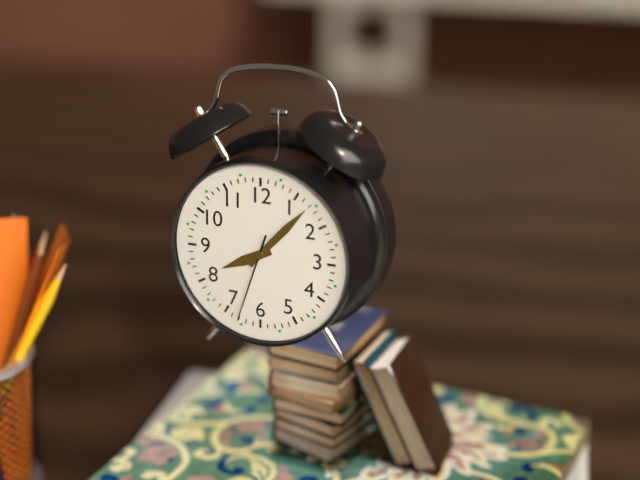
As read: 8.07.33
